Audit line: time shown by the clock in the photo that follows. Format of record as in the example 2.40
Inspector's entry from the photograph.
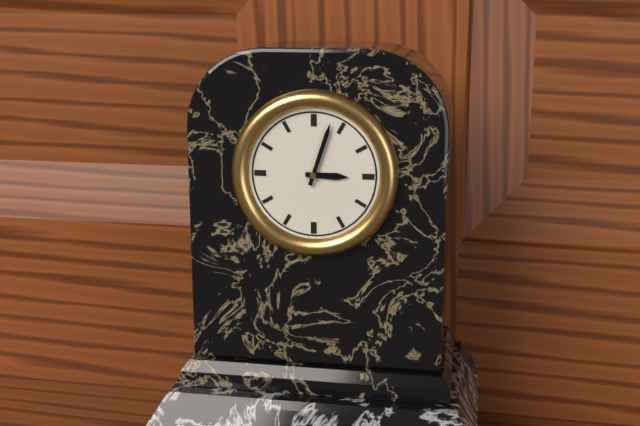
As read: 3.03
